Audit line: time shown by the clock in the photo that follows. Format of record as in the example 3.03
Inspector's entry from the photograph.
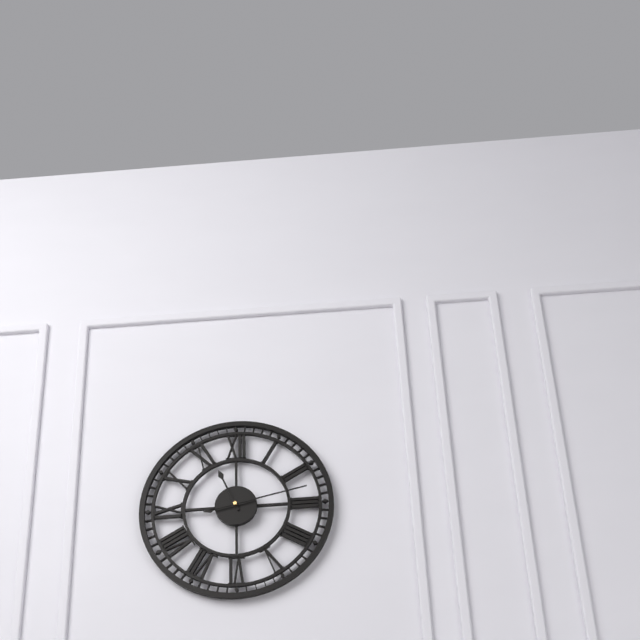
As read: 11.13
